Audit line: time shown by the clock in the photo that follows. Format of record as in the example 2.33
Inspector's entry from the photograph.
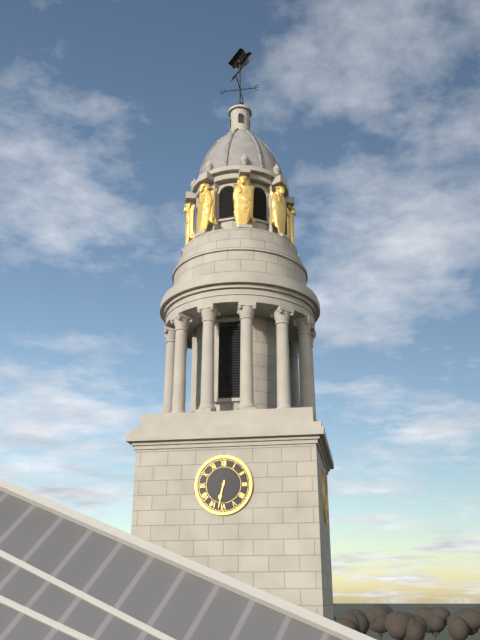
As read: 6.32
